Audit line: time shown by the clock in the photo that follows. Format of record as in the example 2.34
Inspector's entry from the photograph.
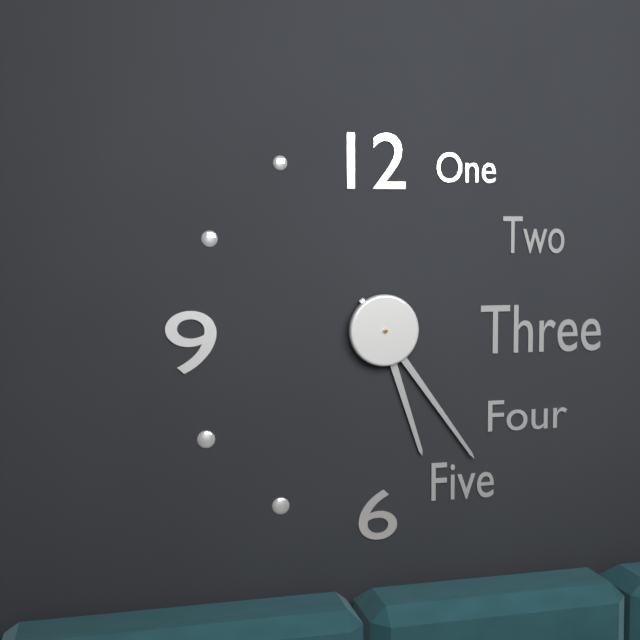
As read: 5.24
